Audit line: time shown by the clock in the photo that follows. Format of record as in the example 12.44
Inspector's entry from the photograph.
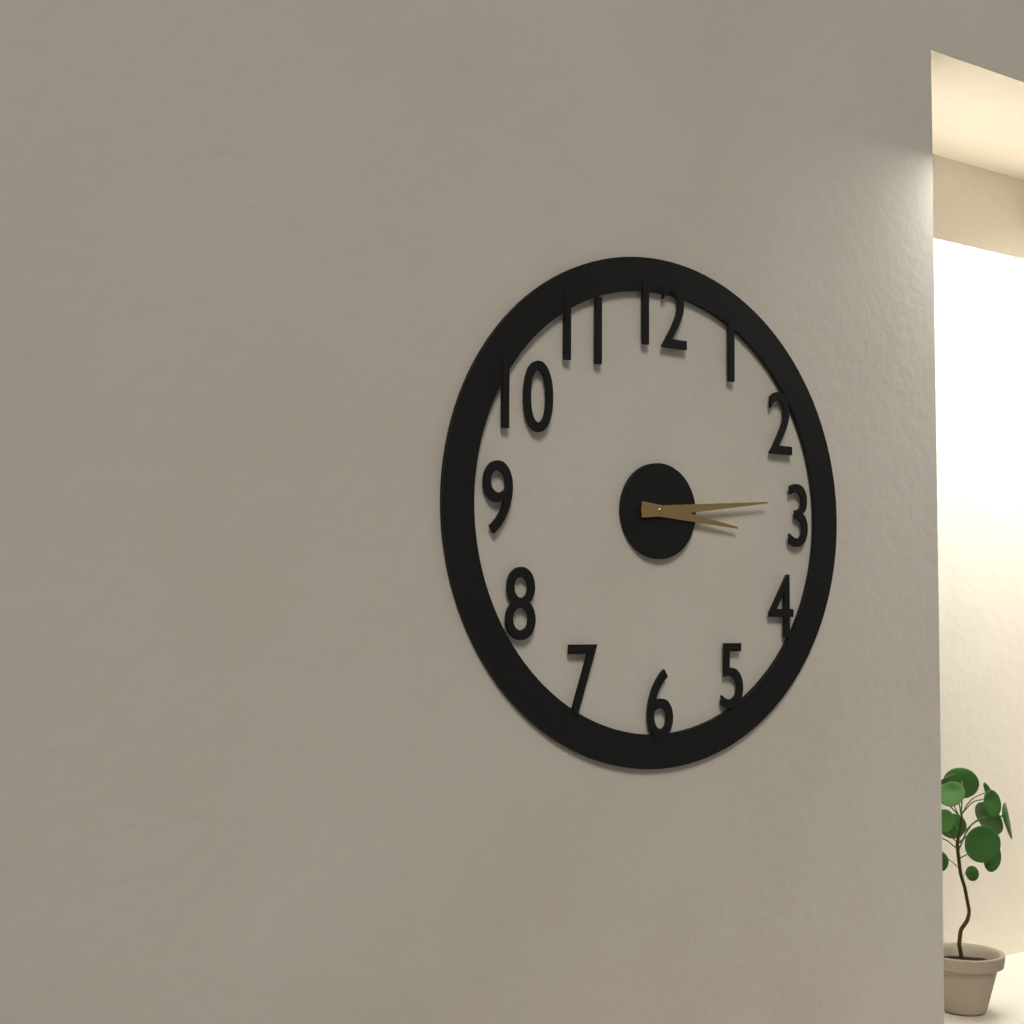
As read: 3.14
